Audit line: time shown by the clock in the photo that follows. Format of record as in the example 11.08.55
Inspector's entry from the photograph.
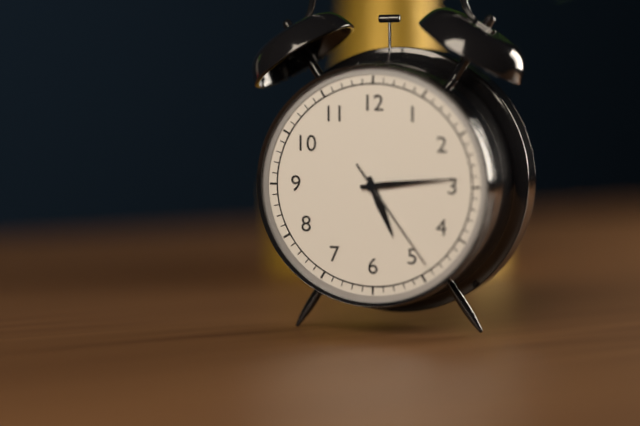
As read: 5.14.24
